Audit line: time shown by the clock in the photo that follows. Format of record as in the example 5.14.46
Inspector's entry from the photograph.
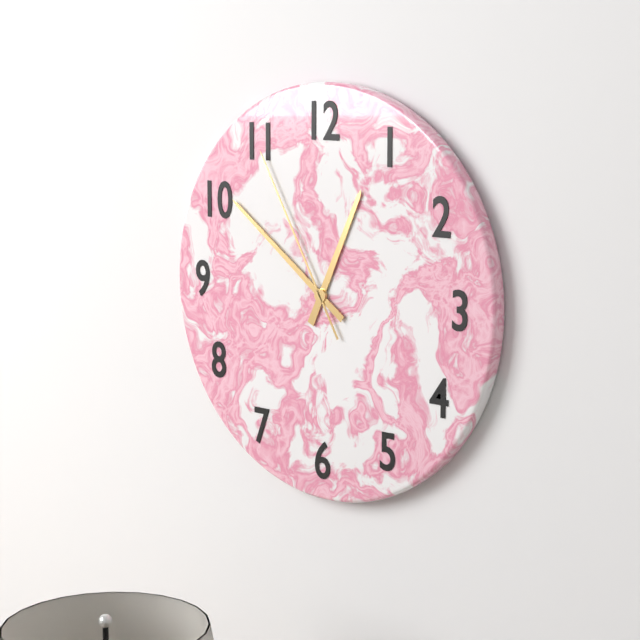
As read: 12.51.55
